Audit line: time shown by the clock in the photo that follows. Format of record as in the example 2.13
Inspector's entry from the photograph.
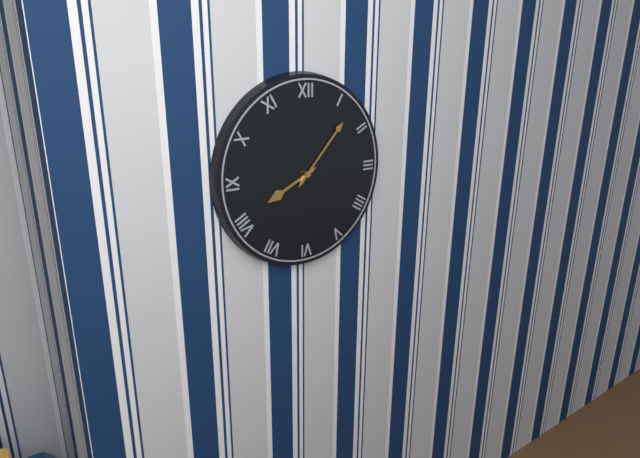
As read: 8.07
